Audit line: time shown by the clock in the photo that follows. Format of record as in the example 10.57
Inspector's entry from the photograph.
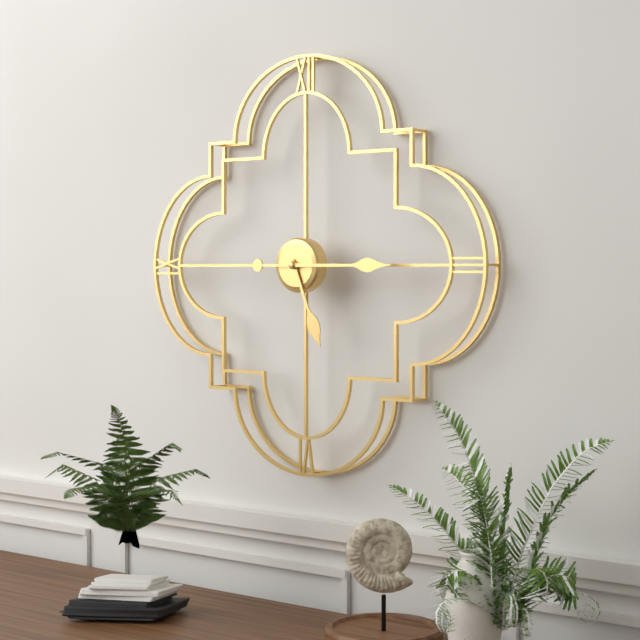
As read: 5.15
